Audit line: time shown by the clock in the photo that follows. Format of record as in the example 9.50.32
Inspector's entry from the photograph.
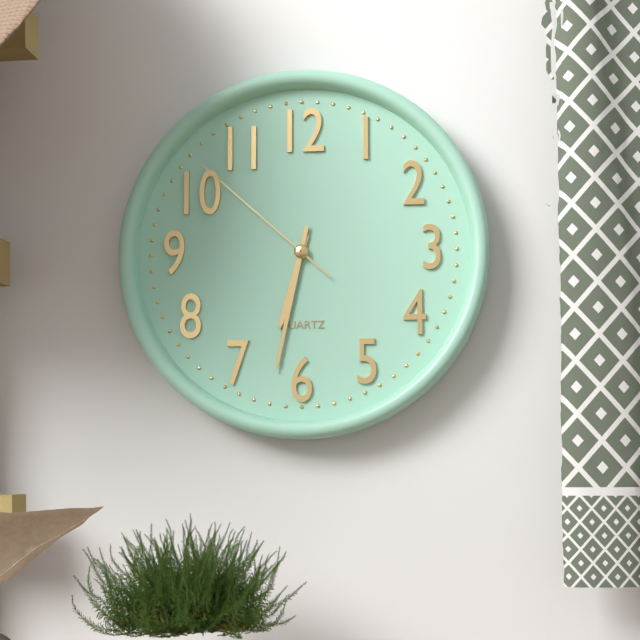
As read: 6.32.52
